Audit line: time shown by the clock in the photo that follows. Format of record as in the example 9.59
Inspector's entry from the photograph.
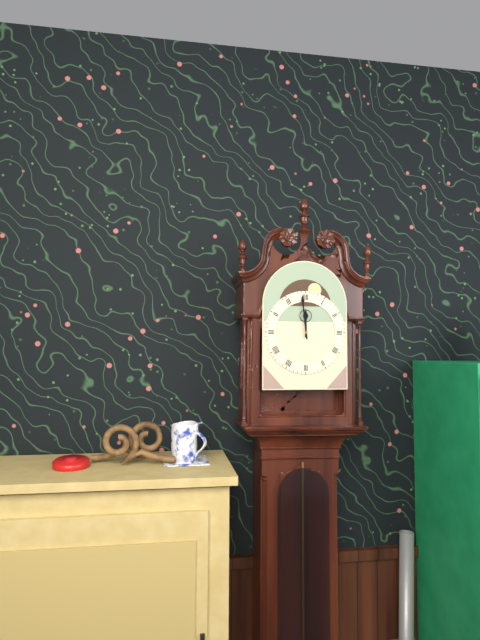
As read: 11.59
